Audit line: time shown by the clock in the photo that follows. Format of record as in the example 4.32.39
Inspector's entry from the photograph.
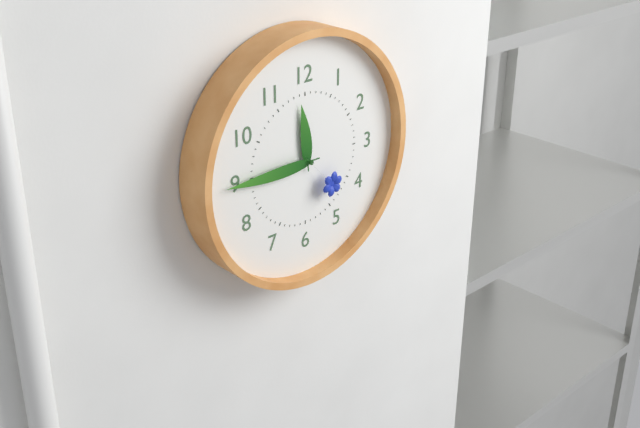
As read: 11.45.23
